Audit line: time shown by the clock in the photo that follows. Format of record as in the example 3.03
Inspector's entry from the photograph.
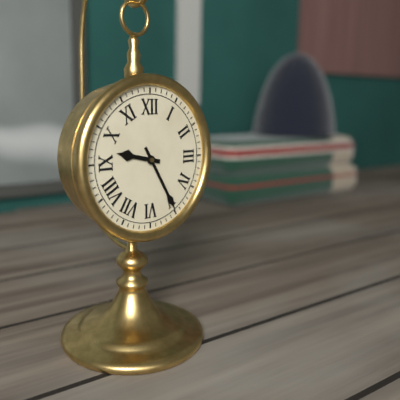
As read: 9.25
